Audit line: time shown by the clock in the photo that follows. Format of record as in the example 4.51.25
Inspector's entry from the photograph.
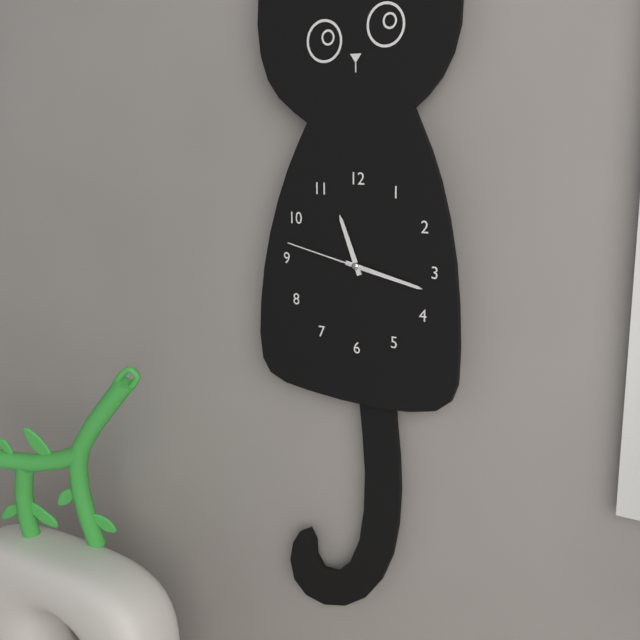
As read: 11.17.47
